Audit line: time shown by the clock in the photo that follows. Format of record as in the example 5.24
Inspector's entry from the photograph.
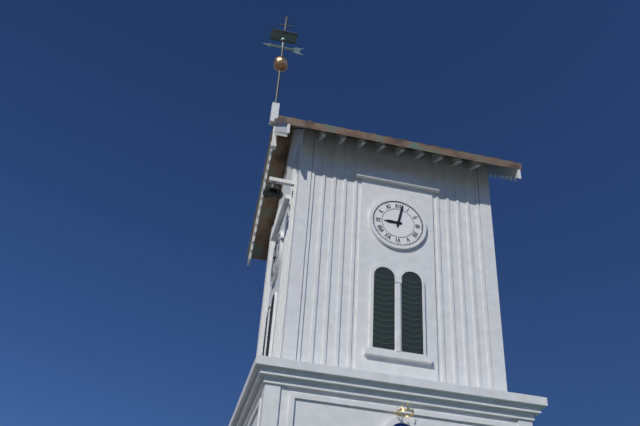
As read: 9.02
